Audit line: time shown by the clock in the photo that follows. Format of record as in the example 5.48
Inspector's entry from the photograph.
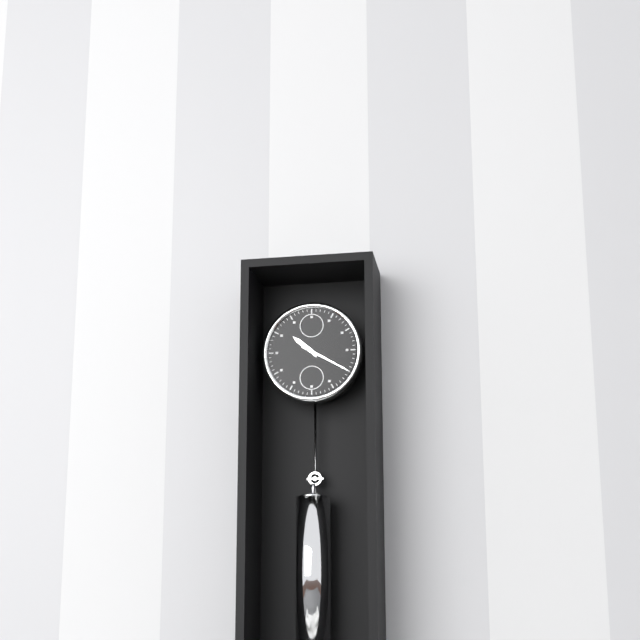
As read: 10.20
